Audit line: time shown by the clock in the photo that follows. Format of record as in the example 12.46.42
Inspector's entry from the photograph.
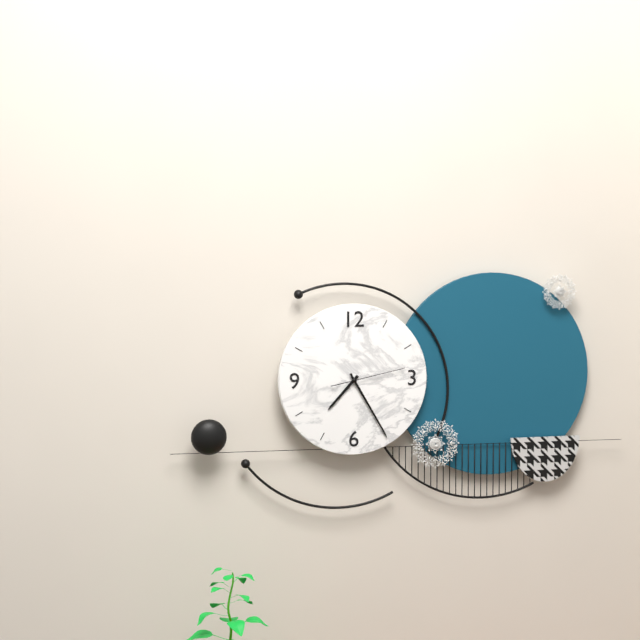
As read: 7.25.13
